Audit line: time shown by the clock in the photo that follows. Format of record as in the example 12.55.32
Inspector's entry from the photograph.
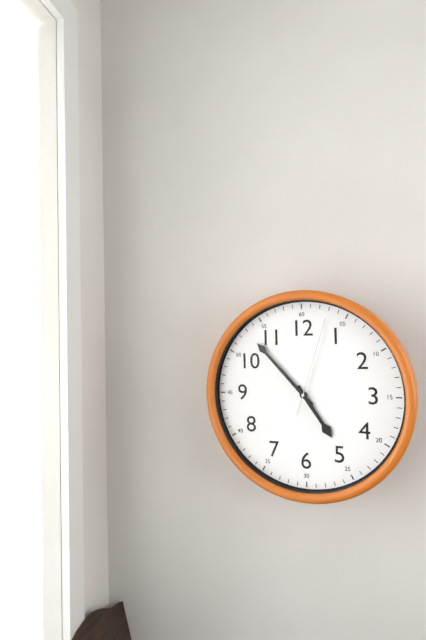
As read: 4.53.03
